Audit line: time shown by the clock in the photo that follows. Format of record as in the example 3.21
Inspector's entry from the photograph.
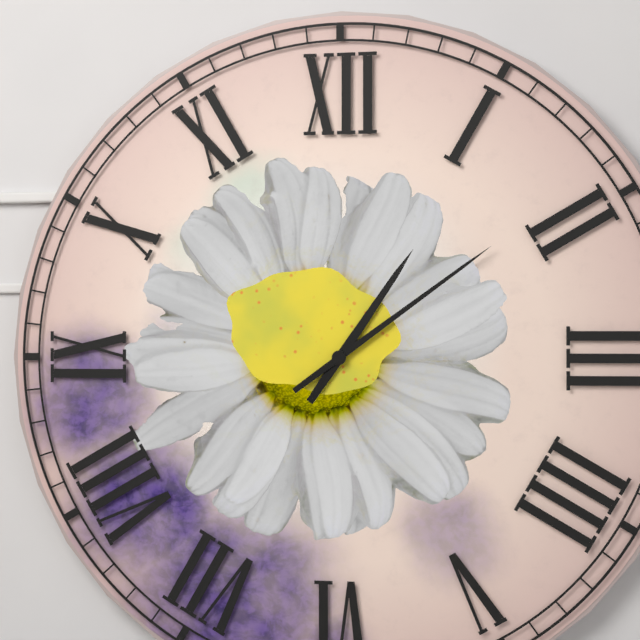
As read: 1.09
